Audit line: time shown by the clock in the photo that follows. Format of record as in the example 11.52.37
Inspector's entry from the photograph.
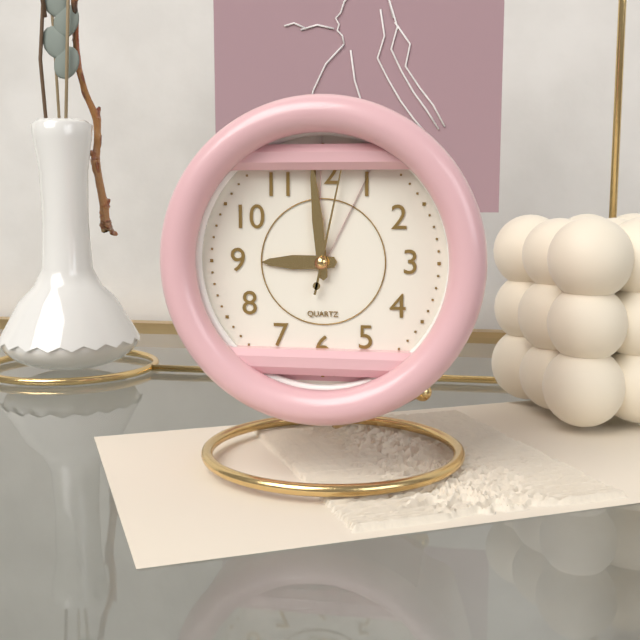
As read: 8.59.02
